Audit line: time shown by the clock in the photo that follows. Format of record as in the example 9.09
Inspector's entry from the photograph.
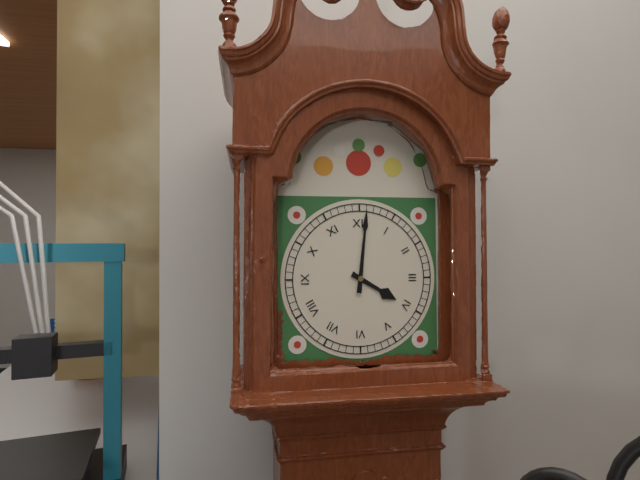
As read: 4.01
